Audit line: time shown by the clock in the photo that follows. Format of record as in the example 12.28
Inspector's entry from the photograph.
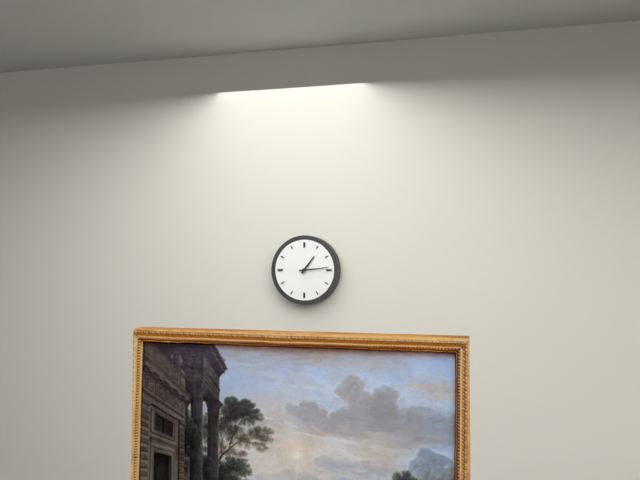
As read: 1.14
